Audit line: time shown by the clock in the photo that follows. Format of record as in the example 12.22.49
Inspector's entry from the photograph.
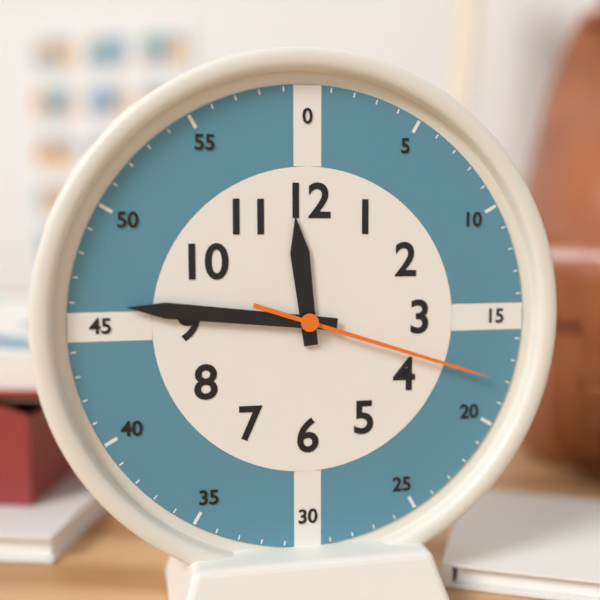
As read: 11.46.18
